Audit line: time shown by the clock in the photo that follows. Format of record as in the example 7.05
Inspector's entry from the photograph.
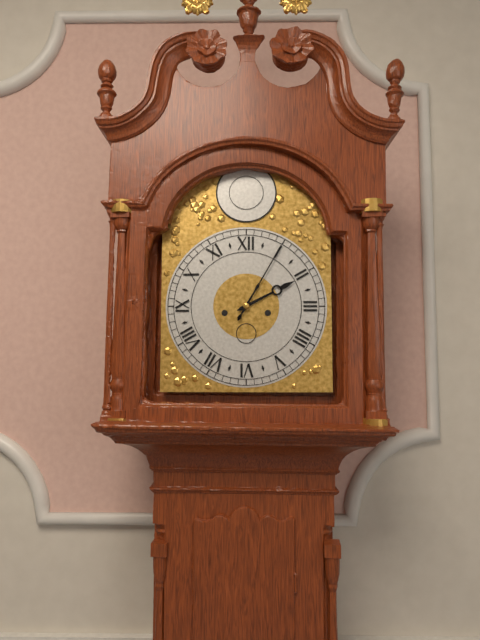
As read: 2.05
